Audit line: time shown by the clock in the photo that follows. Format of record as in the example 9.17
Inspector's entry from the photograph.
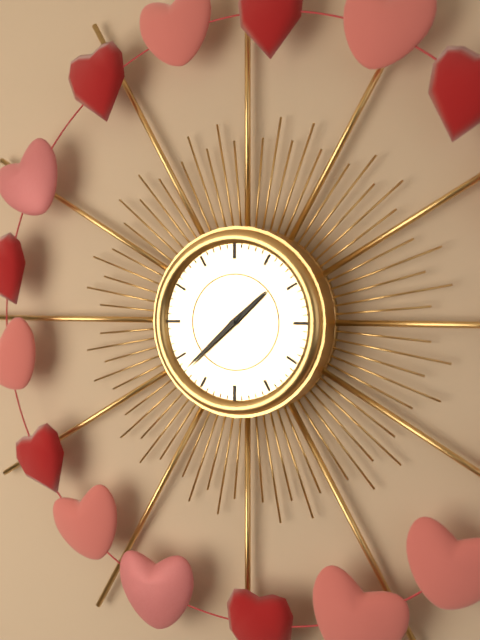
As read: 1.38
